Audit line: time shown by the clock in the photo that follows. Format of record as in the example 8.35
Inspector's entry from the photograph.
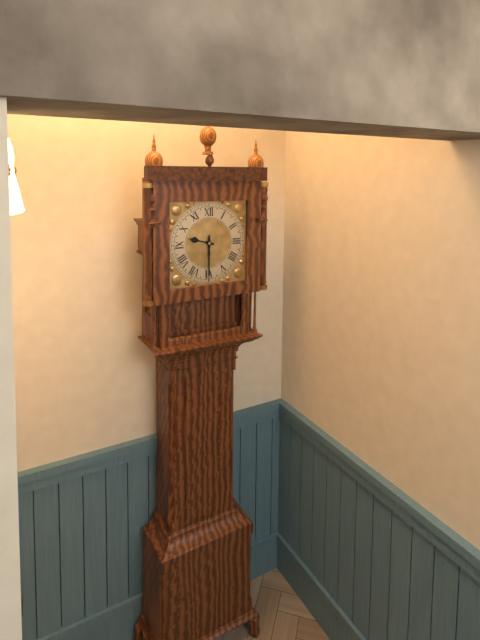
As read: 9.30
